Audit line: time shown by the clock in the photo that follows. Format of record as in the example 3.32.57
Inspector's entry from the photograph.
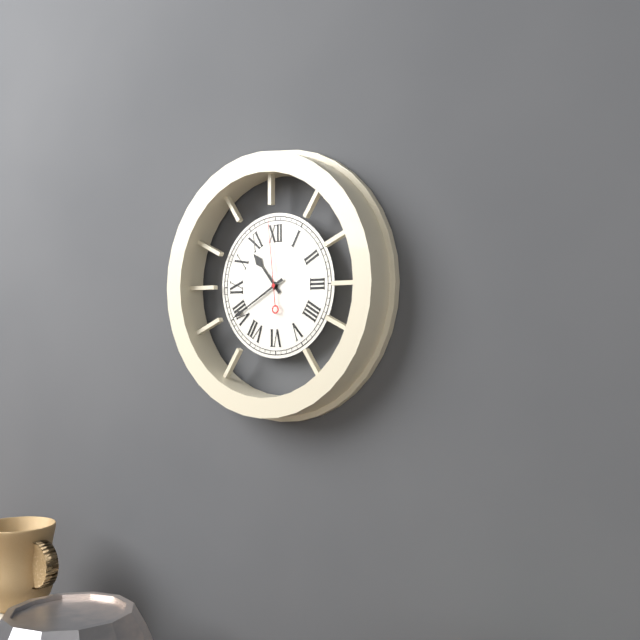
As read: 10.40.59
